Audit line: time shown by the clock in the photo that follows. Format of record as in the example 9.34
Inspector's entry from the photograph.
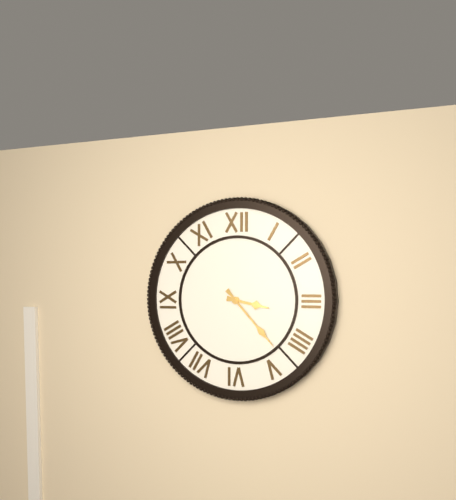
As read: 3.23
